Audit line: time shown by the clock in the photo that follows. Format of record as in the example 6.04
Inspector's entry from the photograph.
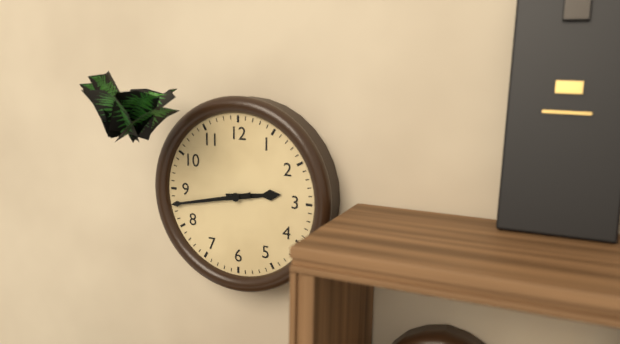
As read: 2.43
